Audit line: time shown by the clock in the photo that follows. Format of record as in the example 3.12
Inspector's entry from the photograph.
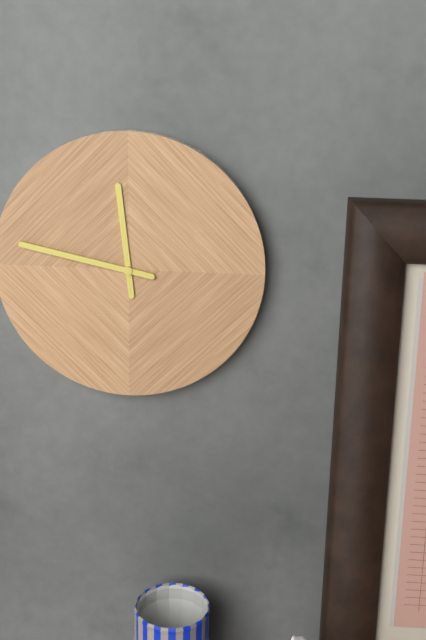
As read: 11.47
